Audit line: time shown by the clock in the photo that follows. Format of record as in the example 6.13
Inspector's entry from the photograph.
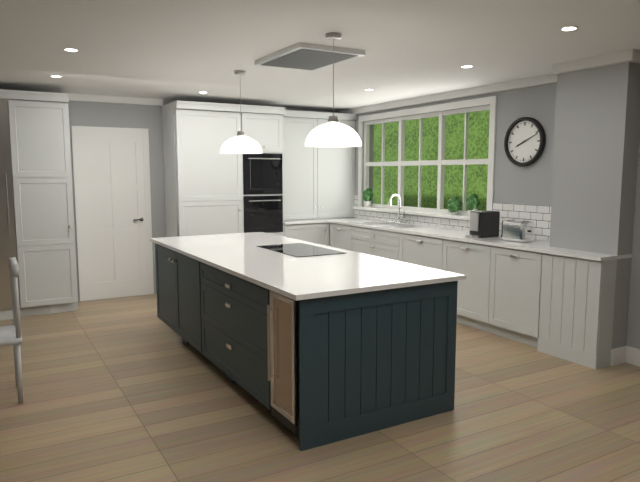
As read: 8.11
